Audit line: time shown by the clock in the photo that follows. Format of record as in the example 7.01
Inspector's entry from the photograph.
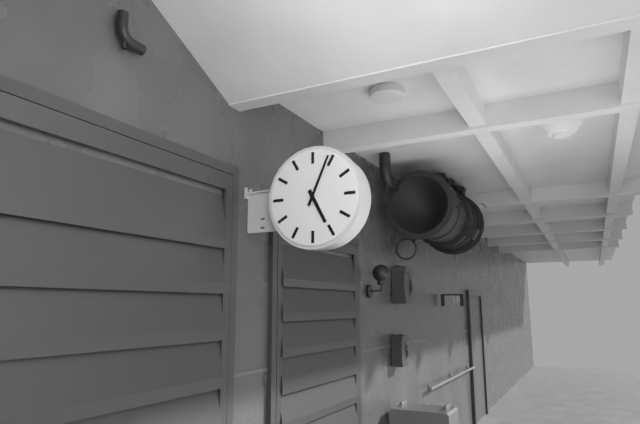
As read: 5.04
